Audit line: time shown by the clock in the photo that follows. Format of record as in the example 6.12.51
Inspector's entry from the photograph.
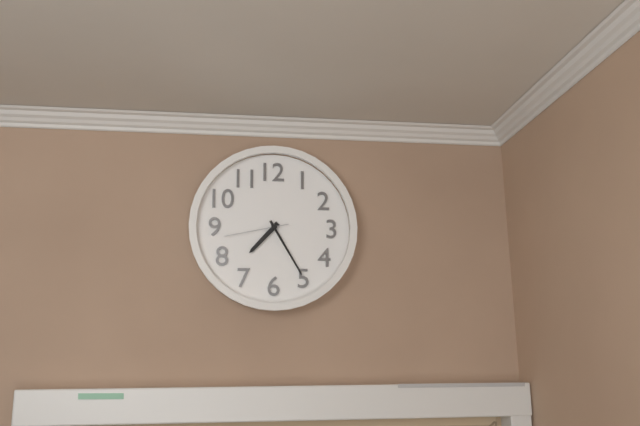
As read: 7.25.43
